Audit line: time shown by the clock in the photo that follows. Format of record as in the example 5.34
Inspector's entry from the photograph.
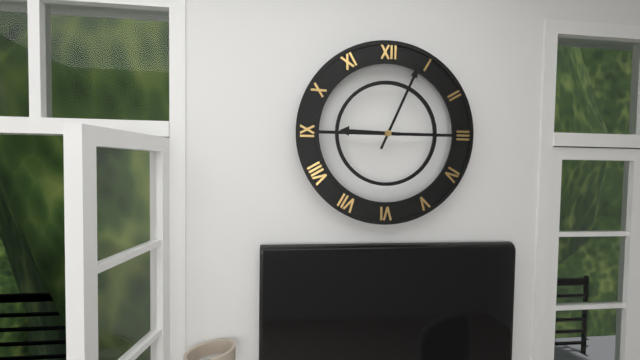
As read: 9.04
